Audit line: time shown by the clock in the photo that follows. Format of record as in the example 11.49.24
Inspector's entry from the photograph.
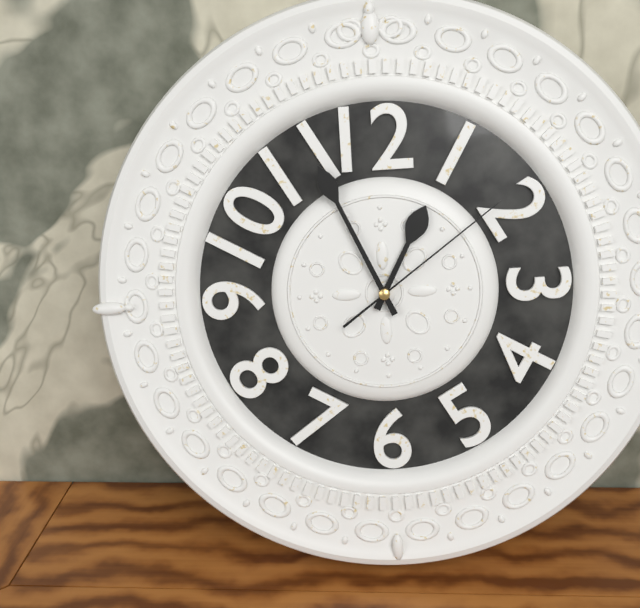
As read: 12.56.09
